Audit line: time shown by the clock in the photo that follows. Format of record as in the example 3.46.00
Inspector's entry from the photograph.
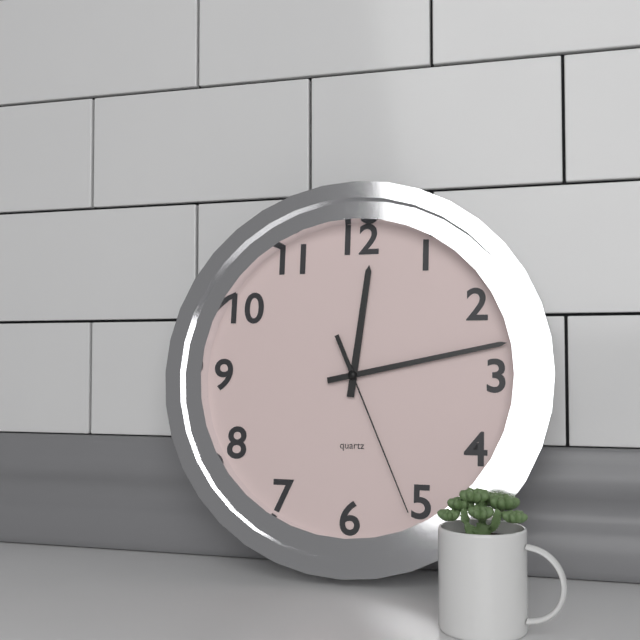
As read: 12.13.26
